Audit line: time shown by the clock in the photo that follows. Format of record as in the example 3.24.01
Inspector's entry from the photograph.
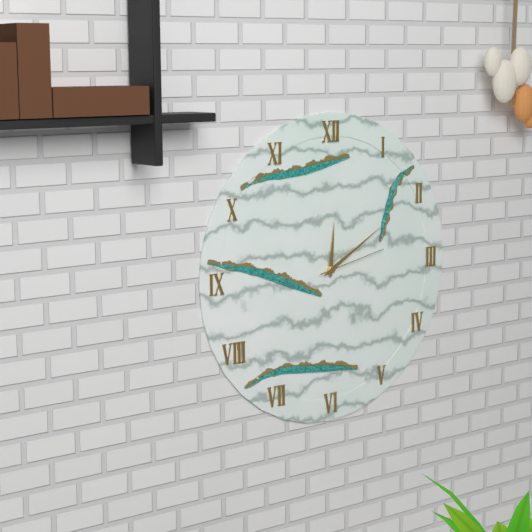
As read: 12.10.13
